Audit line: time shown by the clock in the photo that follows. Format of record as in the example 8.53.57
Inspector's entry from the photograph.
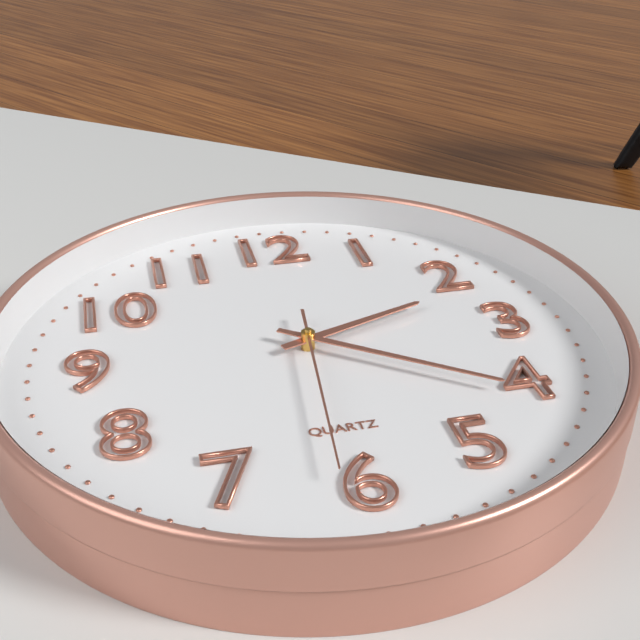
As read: 2.21.31
